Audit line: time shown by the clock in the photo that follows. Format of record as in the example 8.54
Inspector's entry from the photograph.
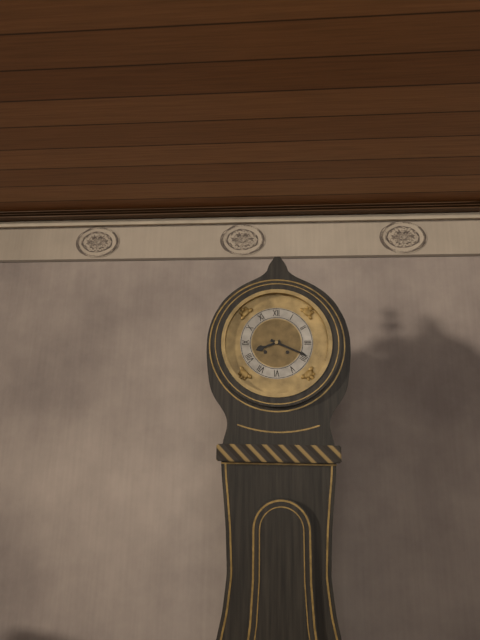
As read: 8.19
